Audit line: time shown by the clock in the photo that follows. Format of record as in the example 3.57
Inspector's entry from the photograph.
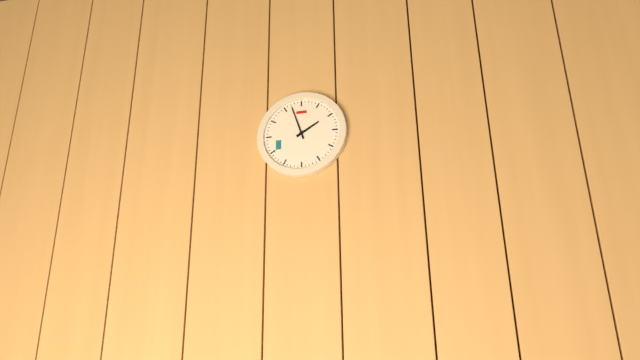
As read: 1.57
